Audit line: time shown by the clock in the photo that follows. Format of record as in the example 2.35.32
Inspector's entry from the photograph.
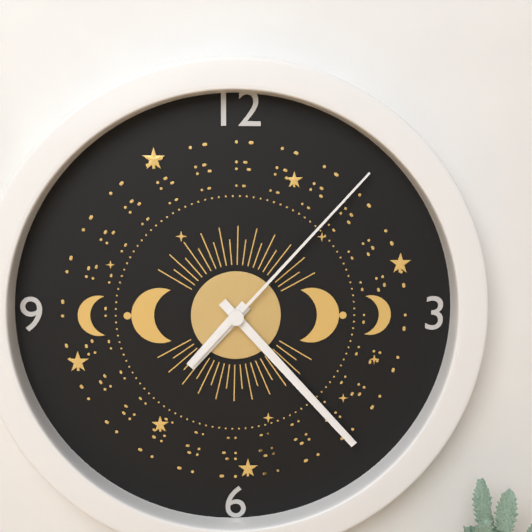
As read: 7.23.07
